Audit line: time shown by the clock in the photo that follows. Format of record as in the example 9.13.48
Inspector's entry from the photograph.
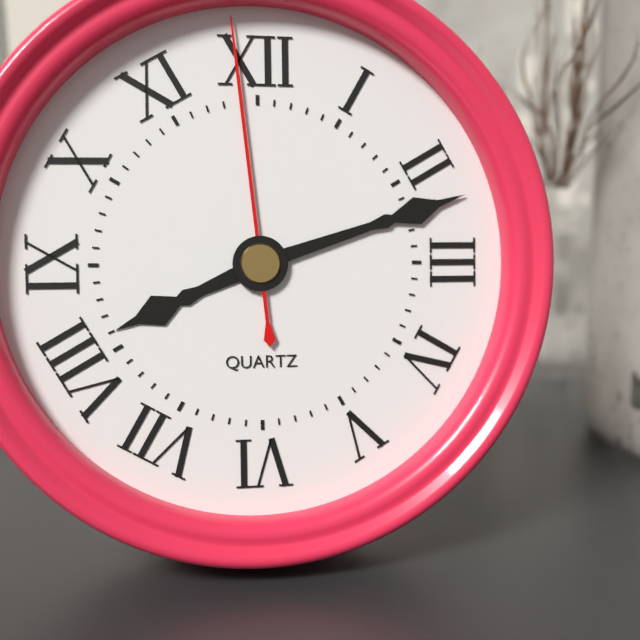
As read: 8.12.59
